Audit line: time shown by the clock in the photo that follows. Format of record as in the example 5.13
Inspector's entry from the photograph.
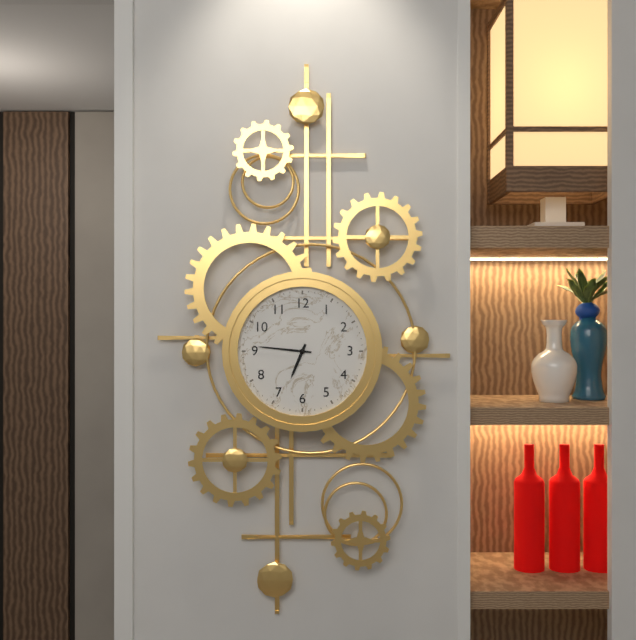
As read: 6.46
